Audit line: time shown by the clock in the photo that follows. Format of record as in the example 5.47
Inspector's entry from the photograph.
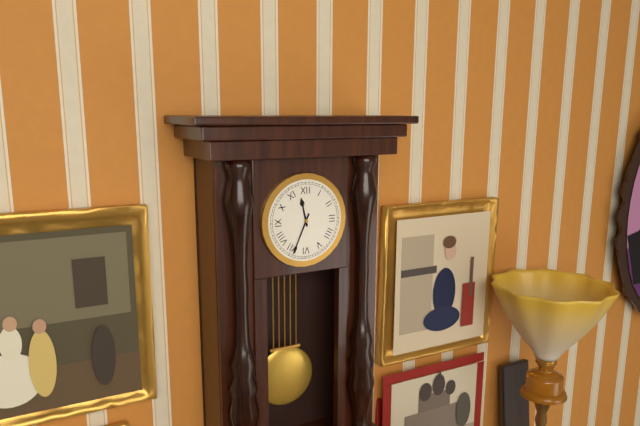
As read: 11.34
